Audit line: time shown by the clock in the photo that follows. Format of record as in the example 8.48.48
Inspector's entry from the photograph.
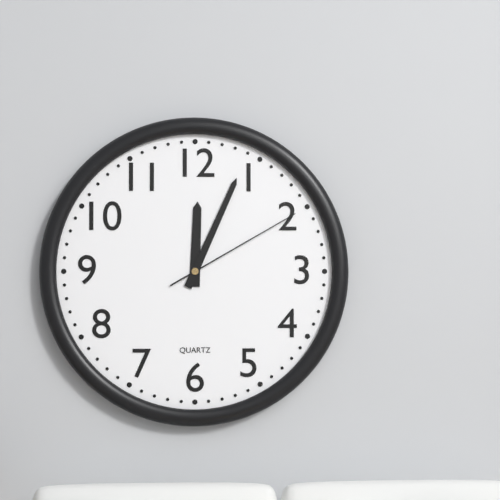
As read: 12.04.10
